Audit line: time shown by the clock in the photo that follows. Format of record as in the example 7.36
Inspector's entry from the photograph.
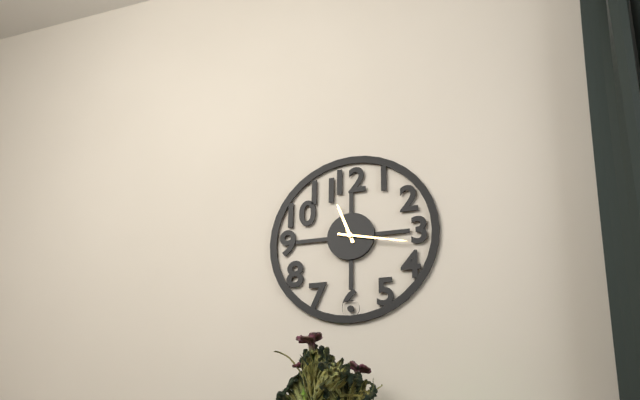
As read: 11.17
